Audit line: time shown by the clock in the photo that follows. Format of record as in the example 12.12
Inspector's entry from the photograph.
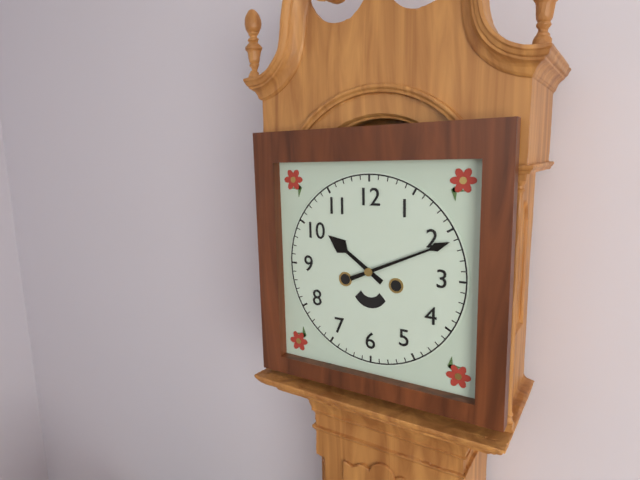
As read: 10.11
